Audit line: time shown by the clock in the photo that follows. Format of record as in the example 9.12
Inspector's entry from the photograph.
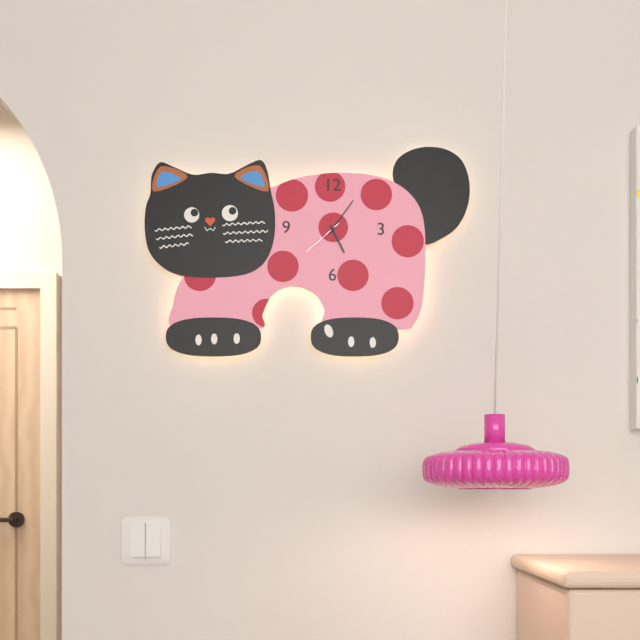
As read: 5.06
